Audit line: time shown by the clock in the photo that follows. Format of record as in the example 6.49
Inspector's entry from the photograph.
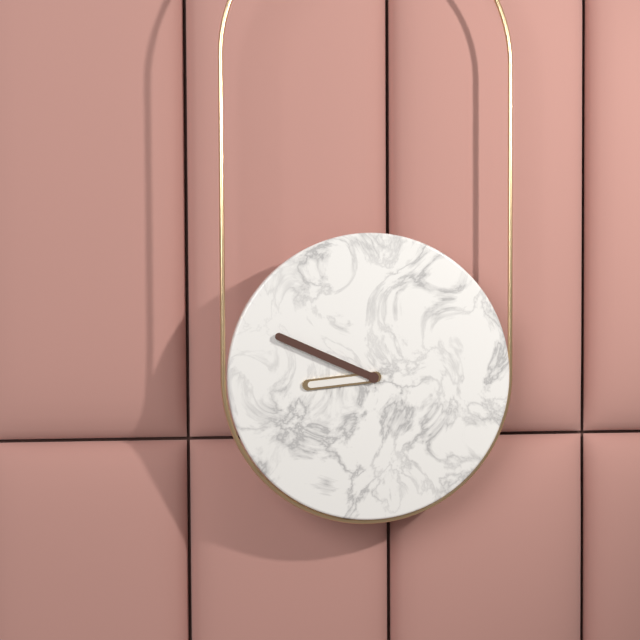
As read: 8.49
